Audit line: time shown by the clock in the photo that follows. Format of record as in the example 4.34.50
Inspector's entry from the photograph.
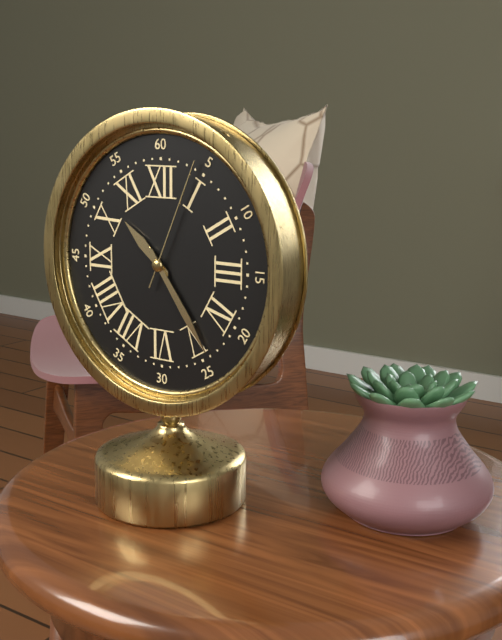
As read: 10.24.04
